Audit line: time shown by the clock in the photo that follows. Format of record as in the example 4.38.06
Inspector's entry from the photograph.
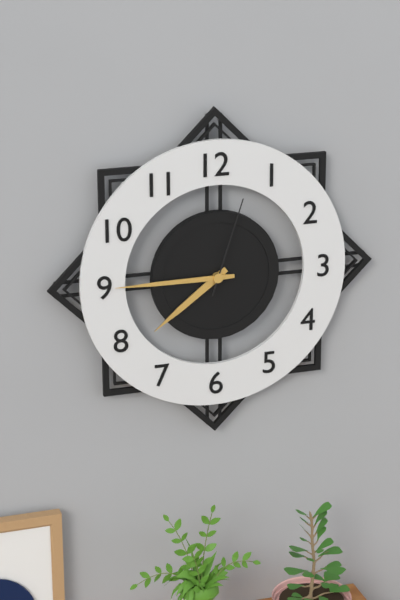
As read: 7.45.03
